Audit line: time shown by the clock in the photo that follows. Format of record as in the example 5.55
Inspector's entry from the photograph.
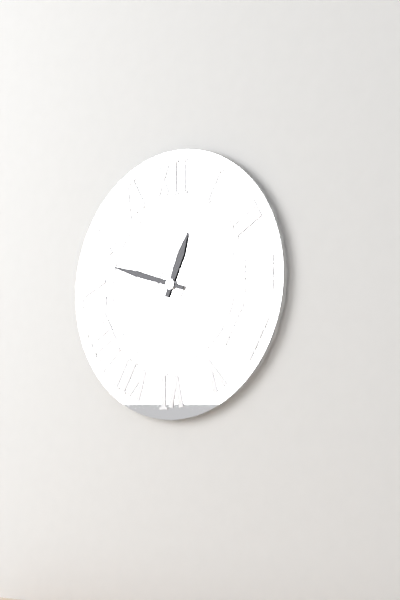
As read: 12.48
